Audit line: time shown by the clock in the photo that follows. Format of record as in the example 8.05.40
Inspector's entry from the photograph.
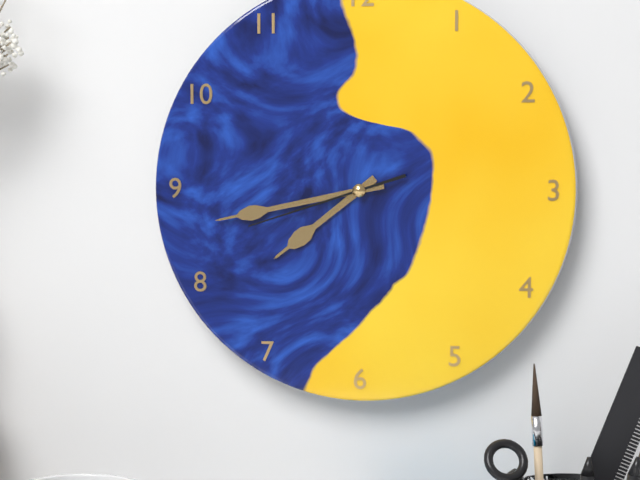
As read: 7.43.42
